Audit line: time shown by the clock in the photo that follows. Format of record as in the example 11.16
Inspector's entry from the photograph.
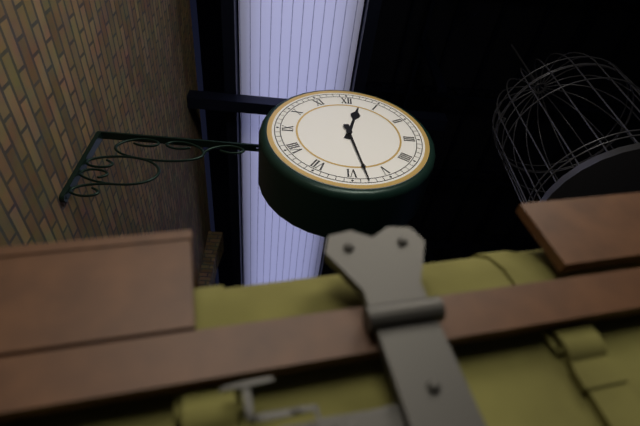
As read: 12.28
